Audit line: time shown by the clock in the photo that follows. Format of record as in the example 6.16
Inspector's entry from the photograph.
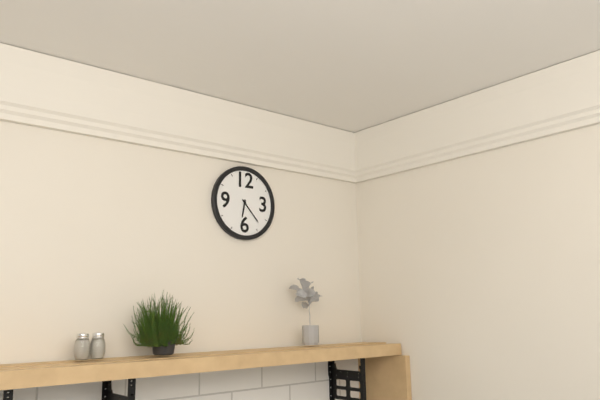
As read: 6.23
